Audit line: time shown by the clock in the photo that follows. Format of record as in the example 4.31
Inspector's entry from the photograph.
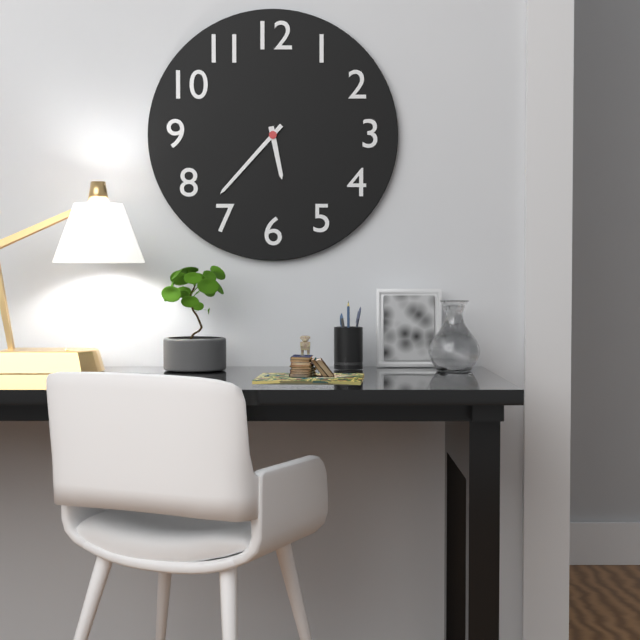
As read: 5.37
